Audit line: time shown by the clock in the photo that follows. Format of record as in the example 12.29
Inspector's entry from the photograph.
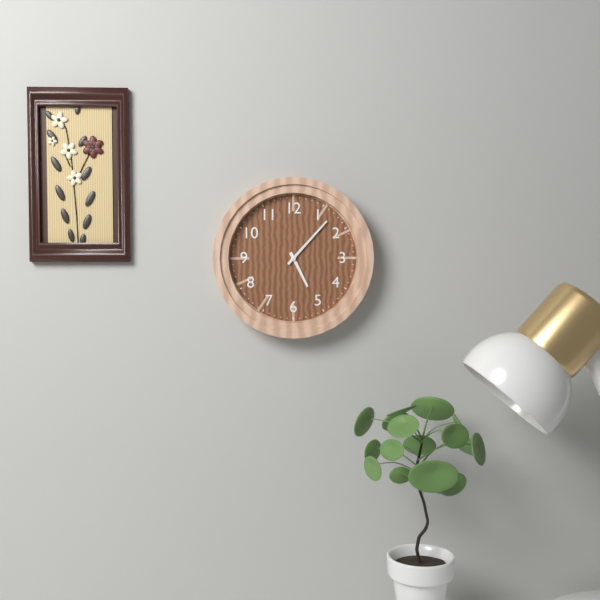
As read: 5.07
